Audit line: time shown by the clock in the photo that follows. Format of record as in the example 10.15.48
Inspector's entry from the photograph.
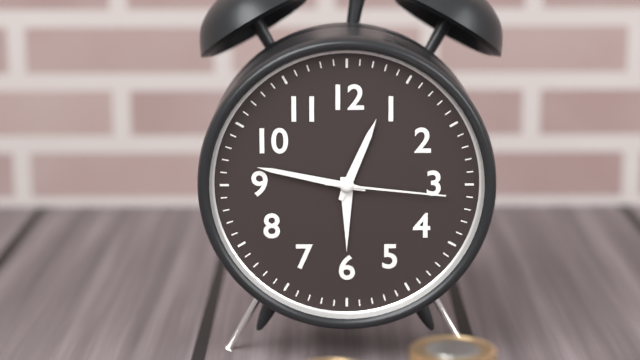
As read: 12.47.16
